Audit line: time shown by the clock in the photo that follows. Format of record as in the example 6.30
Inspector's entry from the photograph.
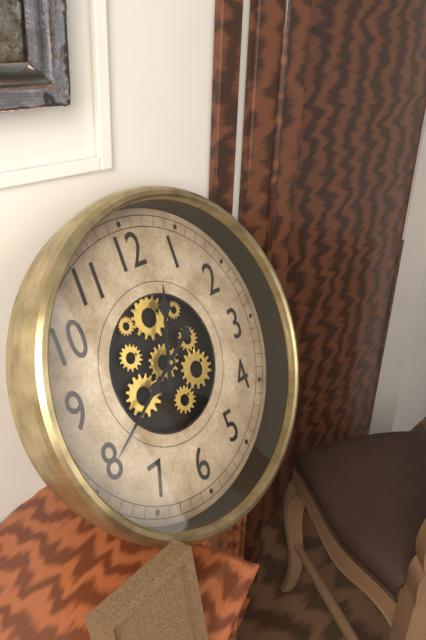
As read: 12.40
